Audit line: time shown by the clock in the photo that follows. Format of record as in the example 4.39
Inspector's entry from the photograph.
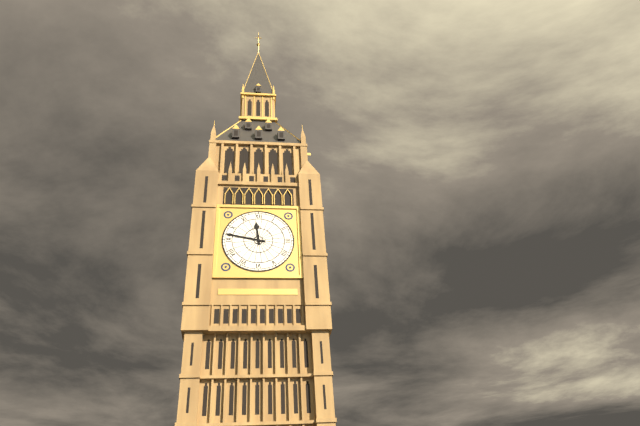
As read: 11.47
